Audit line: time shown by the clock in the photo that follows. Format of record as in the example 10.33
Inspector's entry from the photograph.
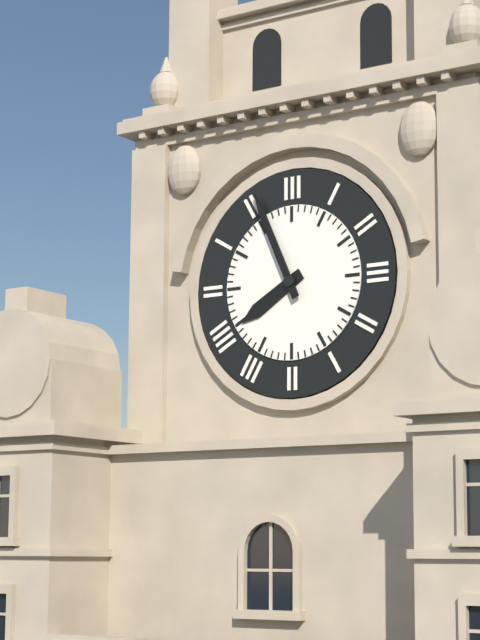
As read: 7.56
